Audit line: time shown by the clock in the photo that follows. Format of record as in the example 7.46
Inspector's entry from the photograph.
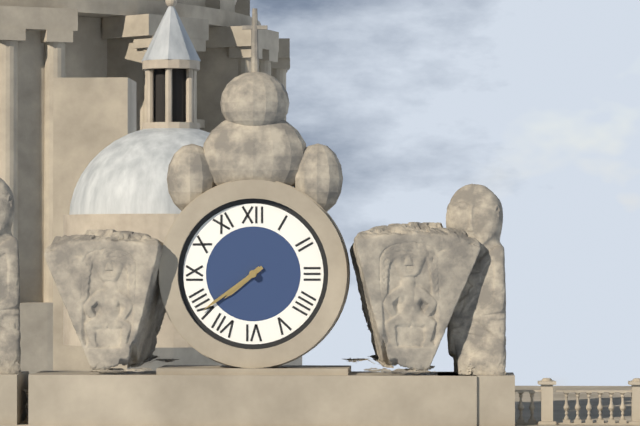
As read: 7.39
